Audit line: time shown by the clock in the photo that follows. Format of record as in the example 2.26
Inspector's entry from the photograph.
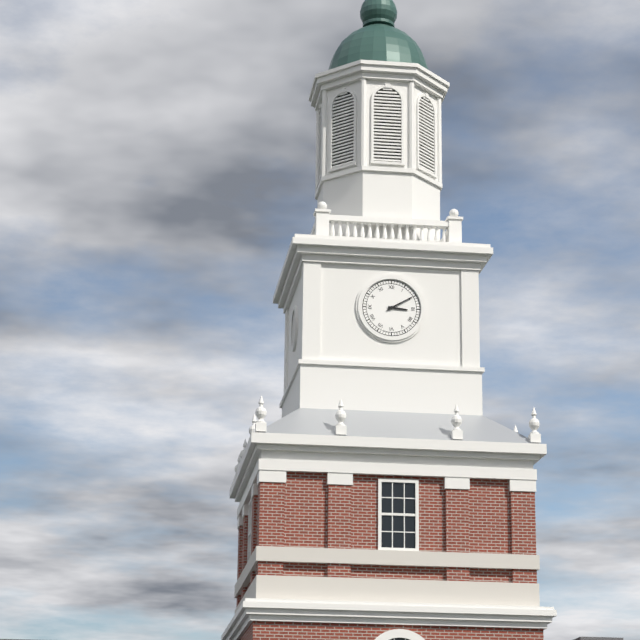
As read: 3.10
